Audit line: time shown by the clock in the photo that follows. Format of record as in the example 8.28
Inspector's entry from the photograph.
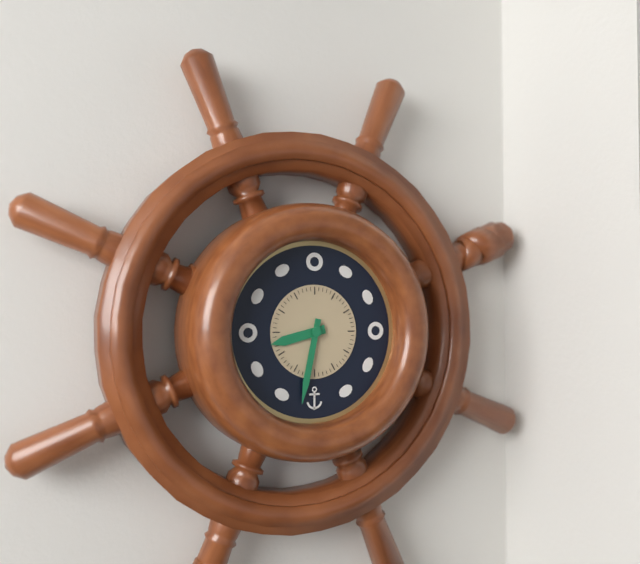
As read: 8.32
